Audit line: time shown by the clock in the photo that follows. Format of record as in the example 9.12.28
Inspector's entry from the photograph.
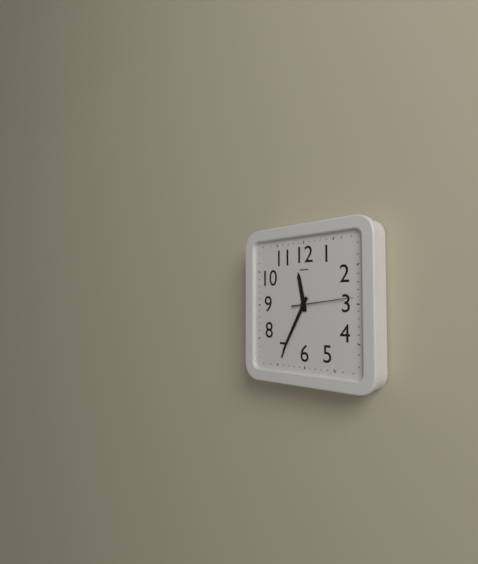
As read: 11.35.14
